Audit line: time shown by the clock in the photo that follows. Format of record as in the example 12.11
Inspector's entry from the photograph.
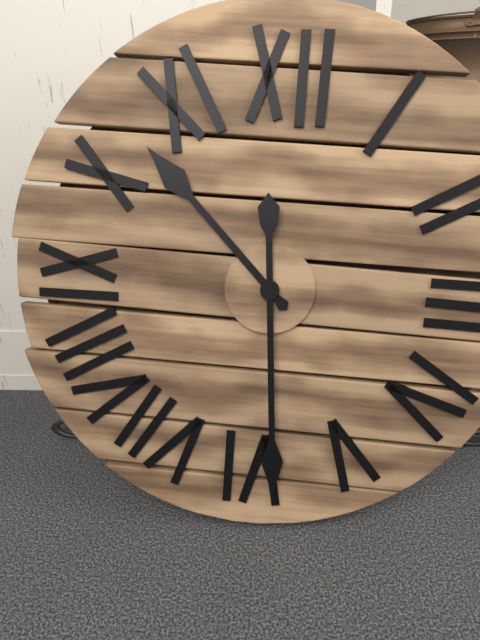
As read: 10.29
